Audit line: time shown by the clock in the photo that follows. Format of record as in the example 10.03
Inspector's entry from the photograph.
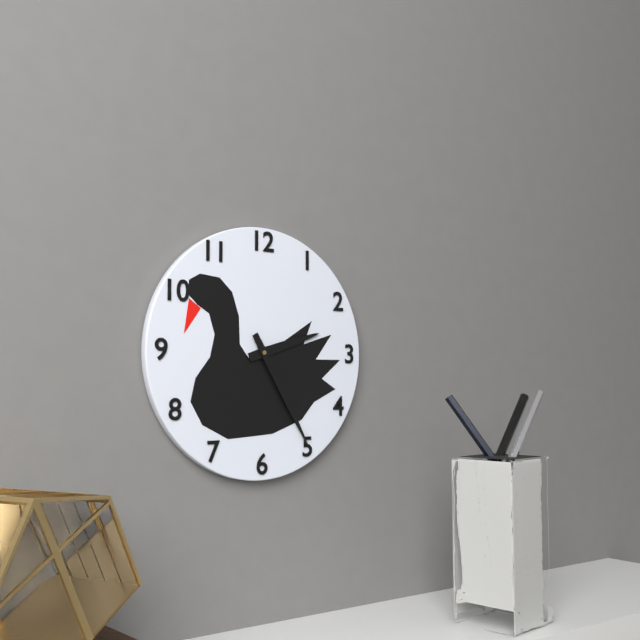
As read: 2.25
